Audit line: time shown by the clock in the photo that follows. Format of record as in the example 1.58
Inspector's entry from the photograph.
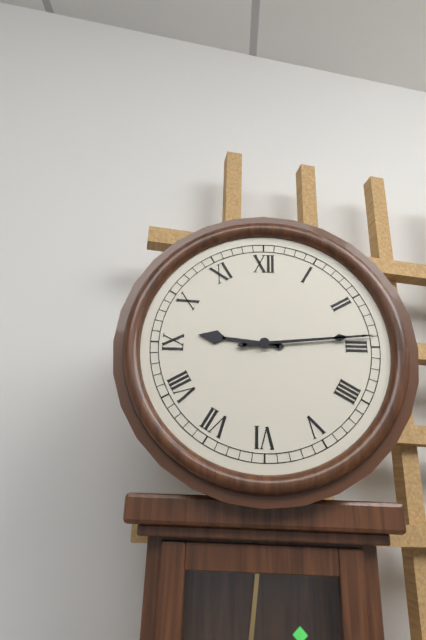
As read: 9.14
